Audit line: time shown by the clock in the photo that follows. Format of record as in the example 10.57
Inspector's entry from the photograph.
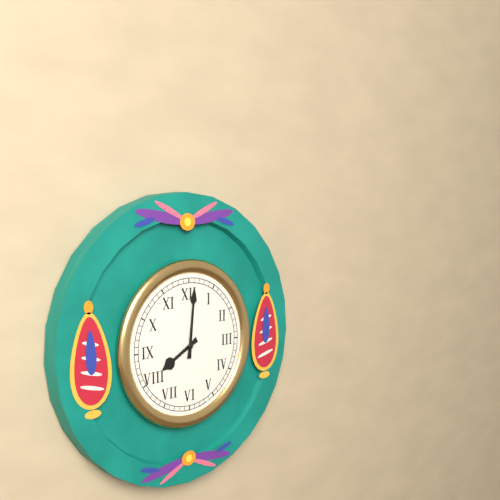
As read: 8.01
